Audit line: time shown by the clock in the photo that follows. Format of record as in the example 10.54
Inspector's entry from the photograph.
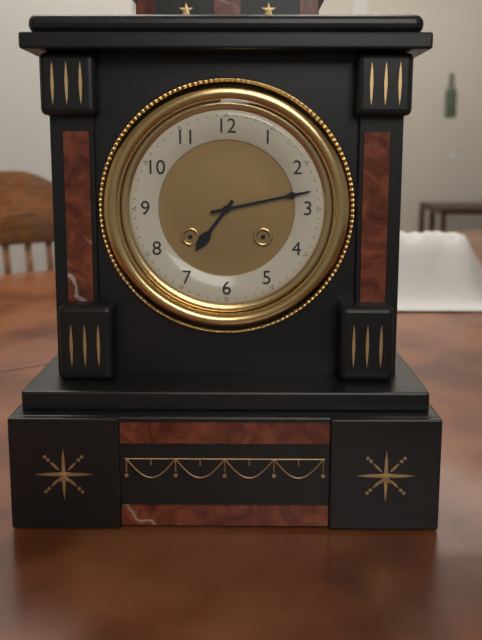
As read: 7.13
